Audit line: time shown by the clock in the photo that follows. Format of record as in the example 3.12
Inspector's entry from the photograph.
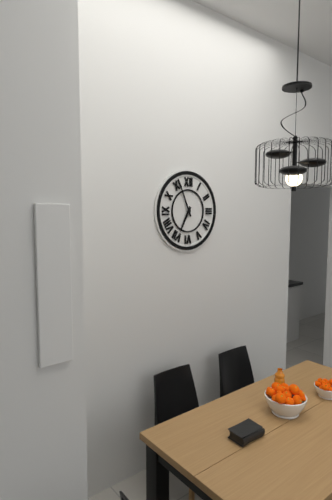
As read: 6.56
